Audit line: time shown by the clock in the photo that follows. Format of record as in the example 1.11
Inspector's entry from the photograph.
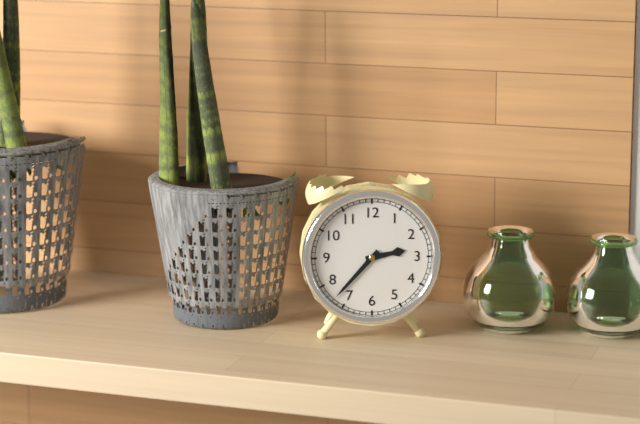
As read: 2.37
